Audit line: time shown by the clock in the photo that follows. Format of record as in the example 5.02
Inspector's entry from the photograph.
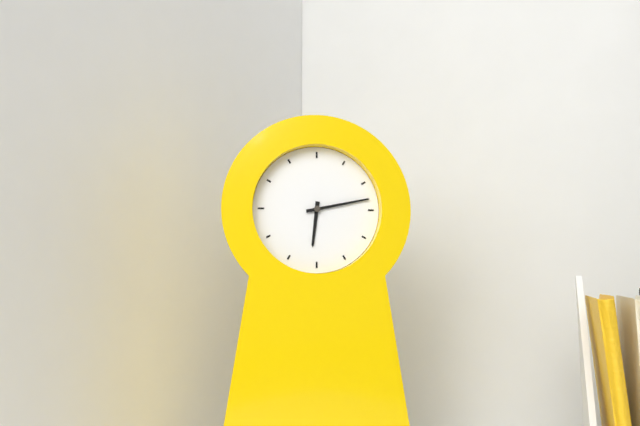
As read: 6.13
